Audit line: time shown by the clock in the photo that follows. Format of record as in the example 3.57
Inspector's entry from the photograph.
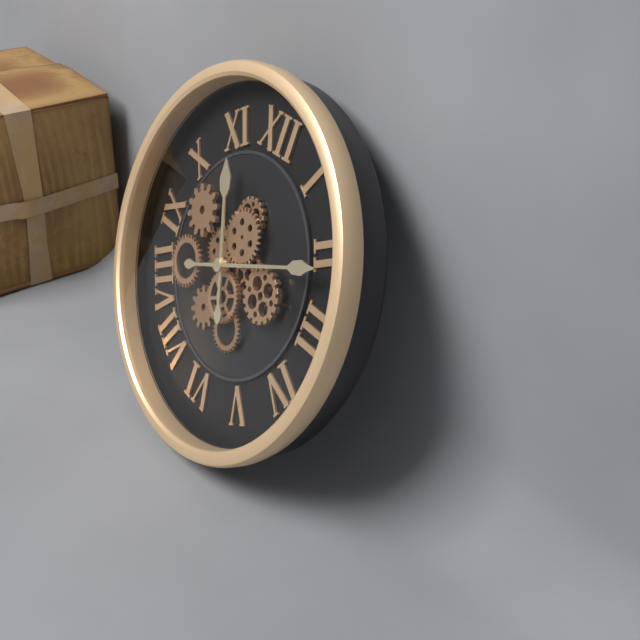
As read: 11.11
